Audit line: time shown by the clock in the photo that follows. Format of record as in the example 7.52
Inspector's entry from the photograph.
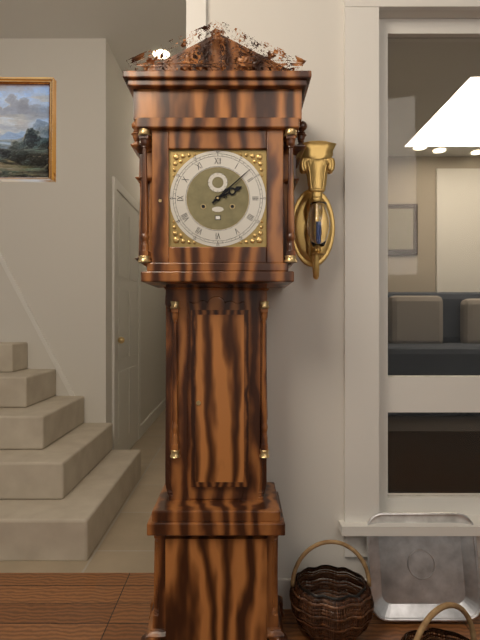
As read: 2.08
